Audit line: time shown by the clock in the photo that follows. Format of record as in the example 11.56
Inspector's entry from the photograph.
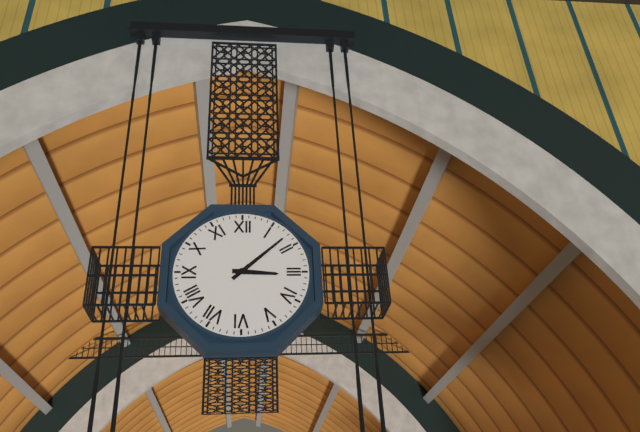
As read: 3.08
